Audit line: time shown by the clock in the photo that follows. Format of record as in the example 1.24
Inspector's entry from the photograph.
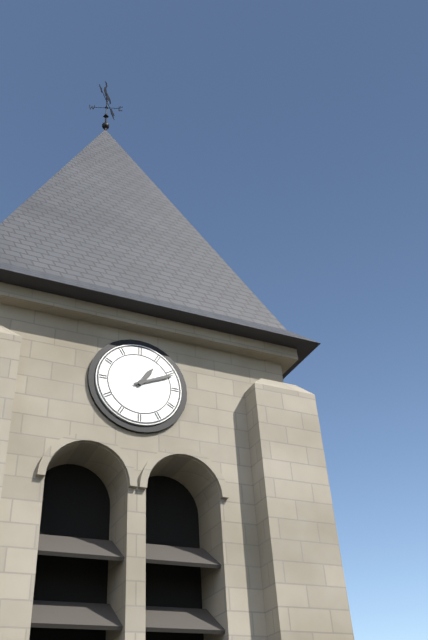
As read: 1.11
